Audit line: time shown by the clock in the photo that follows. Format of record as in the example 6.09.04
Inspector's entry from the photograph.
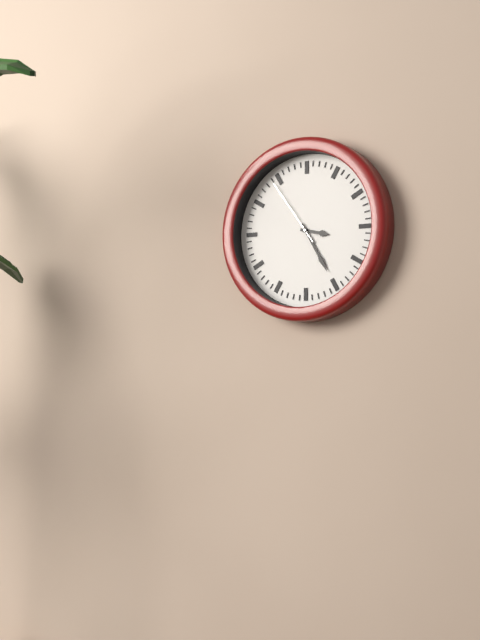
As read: 3.25.54
